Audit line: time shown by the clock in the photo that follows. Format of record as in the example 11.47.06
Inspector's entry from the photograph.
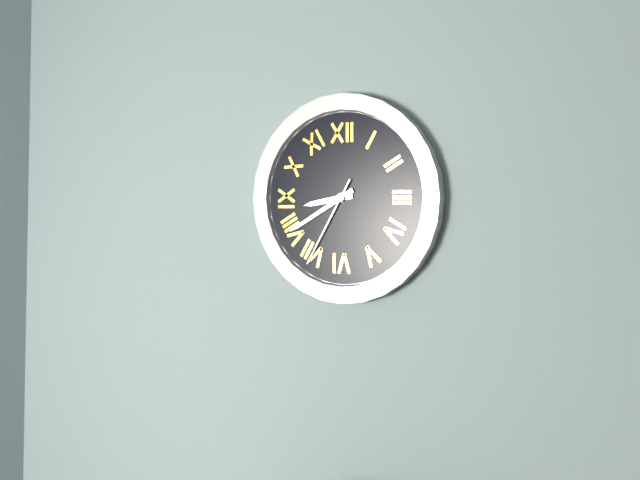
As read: 8.40.35
